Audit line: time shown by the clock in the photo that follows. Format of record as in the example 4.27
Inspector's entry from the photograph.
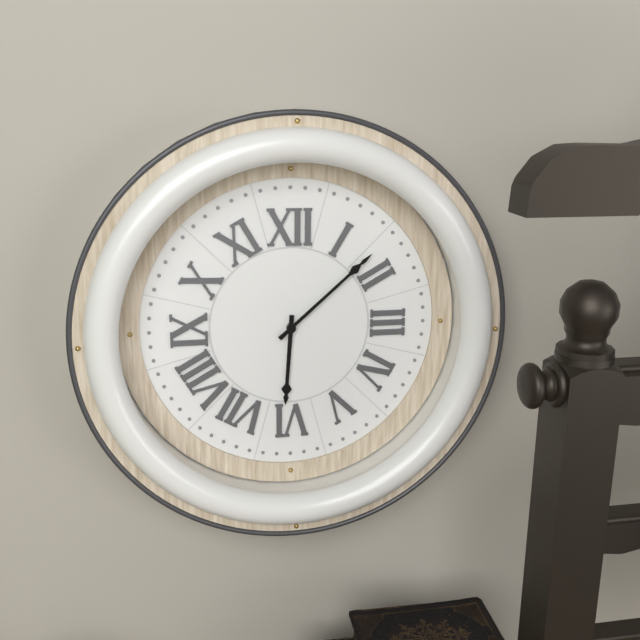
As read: 6.08
